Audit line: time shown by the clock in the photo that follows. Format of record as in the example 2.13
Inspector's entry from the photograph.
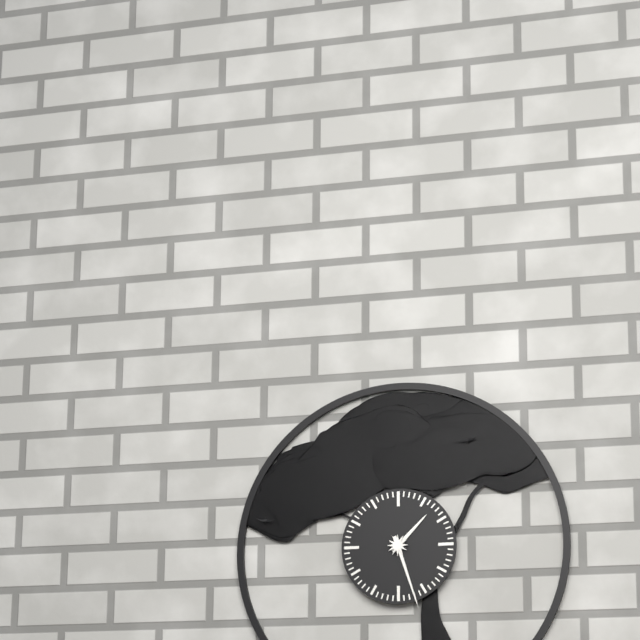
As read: 1.27
